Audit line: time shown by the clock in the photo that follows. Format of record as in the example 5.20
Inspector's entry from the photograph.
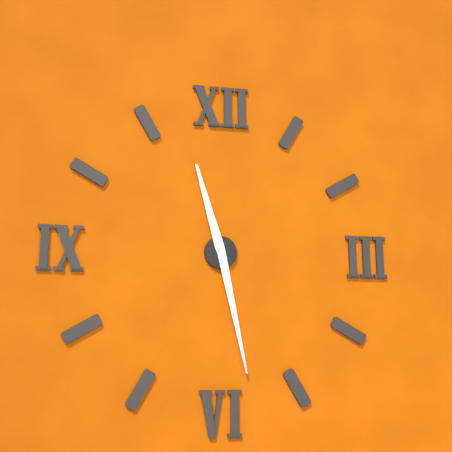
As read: 11.28
